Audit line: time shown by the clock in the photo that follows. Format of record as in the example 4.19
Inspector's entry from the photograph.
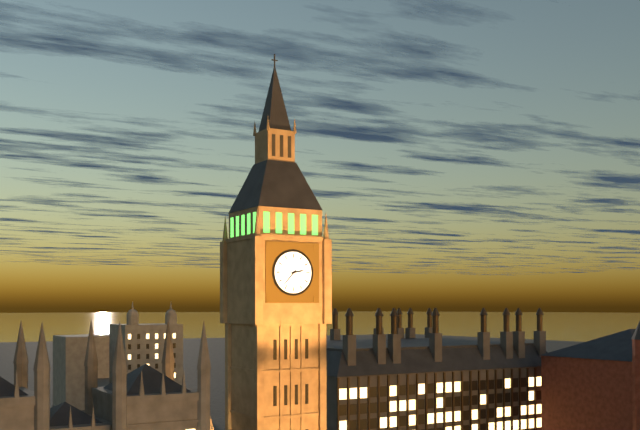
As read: 2.37
